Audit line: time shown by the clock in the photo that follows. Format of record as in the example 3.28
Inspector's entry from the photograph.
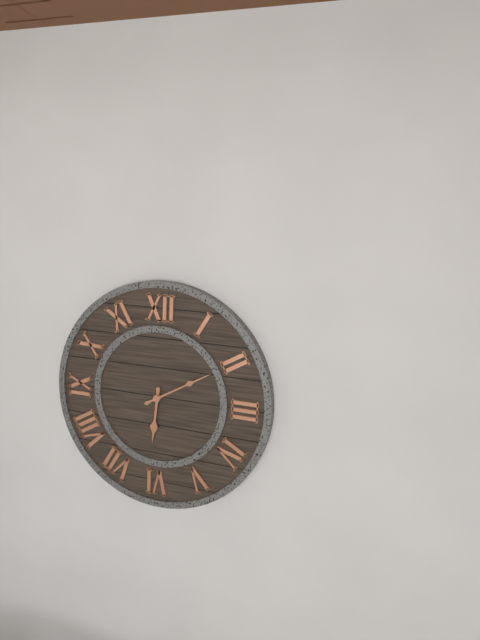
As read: 6.10
